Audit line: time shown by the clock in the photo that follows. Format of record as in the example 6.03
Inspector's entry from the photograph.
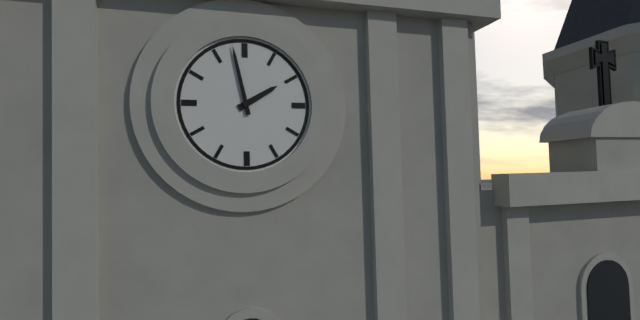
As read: 1.58
